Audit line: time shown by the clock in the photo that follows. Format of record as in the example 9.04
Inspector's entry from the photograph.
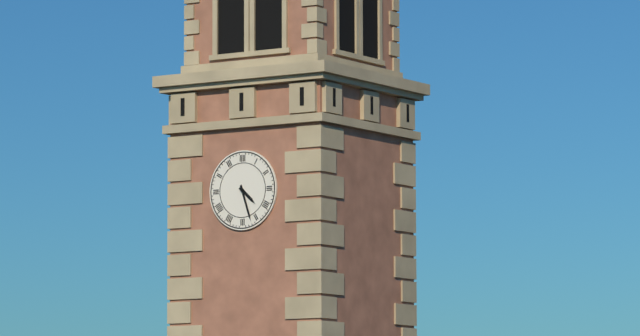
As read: 4.27
